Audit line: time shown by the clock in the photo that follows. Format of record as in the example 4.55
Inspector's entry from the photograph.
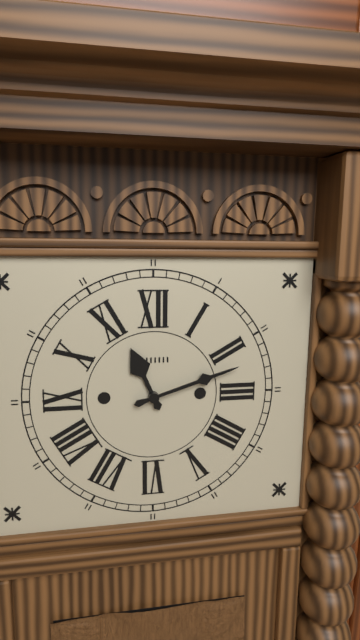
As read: 11.12
